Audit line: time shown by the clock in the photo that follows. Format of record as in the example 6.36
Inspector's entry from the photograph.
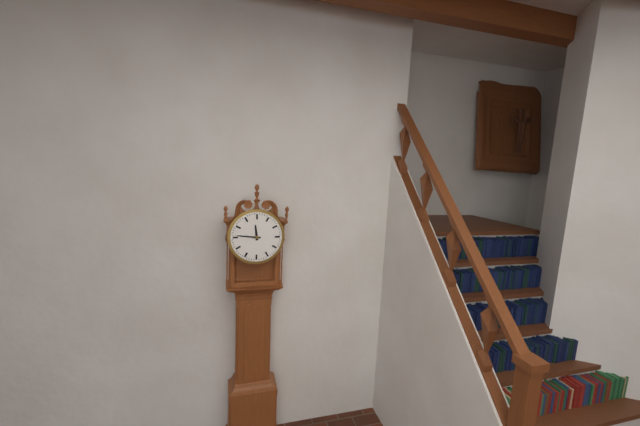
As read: 11.46
